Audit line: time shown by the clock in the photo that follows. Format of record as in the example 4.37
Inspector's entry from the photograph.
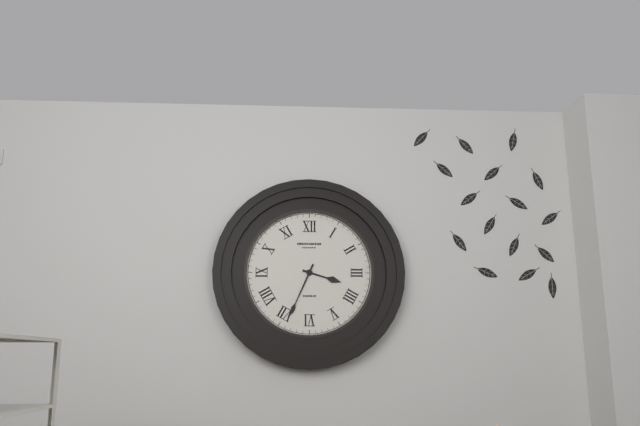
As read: 3.34
